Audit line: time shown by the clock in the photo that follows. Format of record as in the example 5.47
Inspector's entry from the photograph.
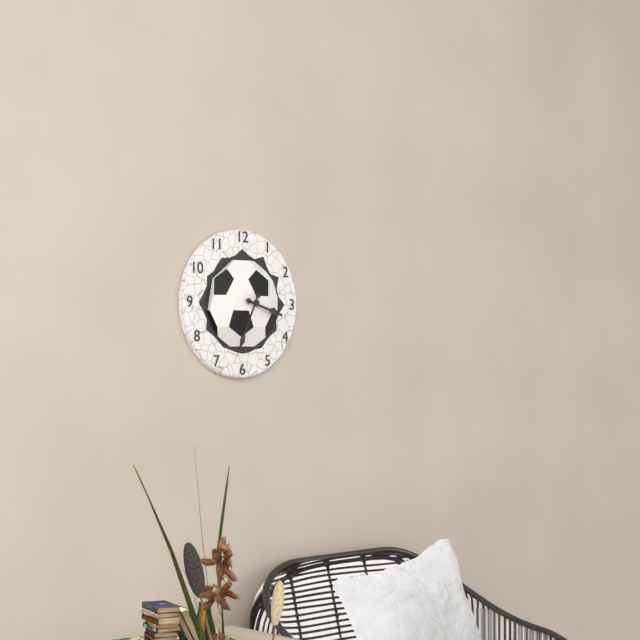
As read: 3.34
